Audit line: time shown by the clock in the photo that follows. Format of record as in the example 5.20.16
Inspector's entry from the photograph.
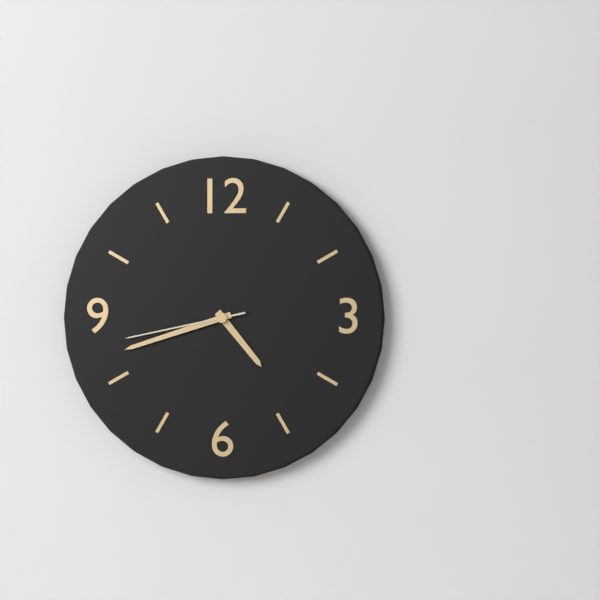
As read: 4.42.43
